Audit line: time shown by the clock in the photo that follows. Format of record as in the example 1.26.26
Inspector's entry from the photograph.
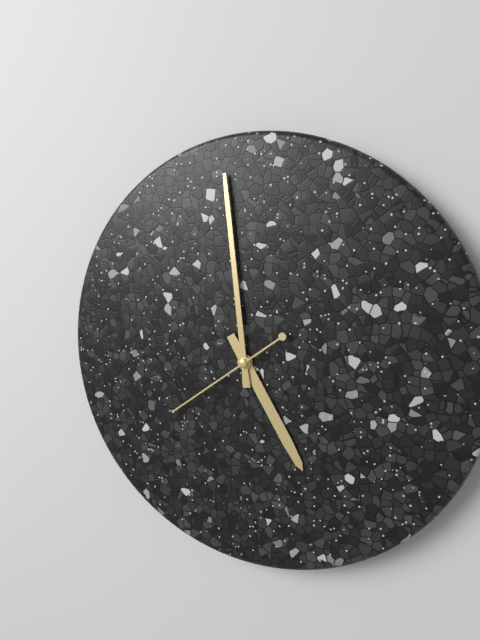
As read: 4.59.39
